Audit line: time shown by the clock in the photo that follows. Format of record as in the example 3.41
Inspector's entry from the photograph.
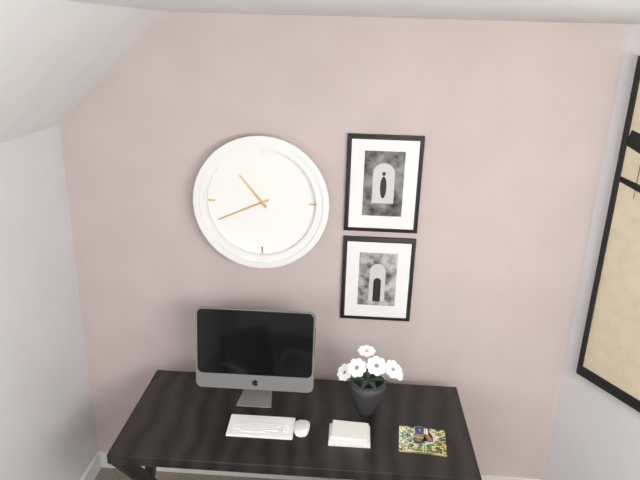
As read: 10.41
